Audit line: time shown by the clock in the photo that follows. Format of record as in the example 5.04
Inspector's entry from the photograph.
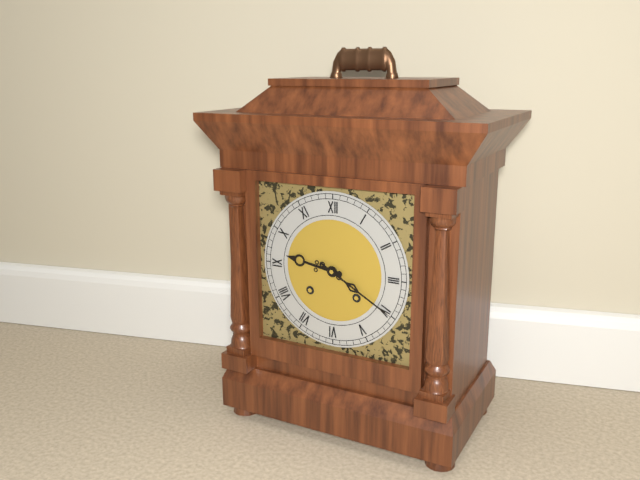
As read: 9.20
